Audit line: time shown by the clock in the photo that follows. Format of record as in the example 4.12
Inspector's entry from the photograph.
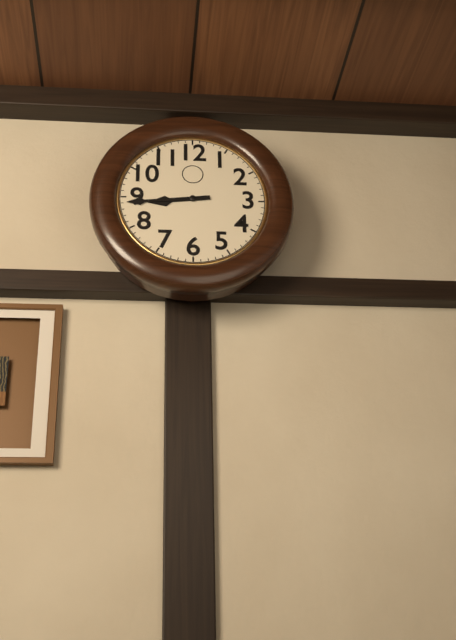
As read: 8.44
